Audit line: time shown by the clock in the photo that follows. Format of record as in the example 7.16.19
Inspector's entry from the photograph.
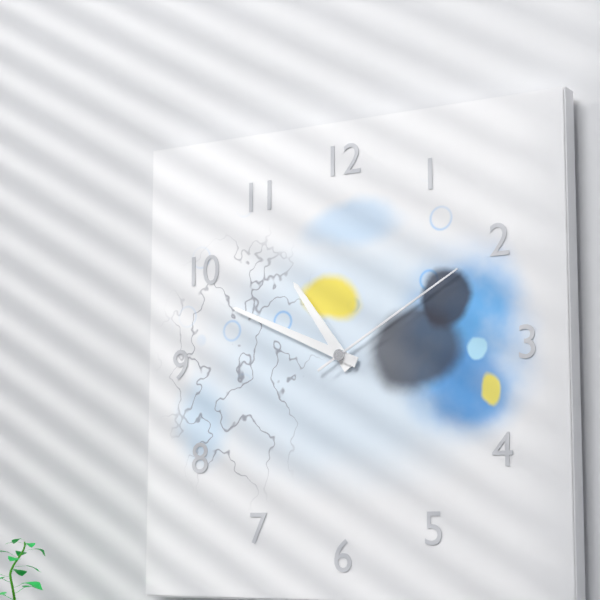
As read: 10.49.10
